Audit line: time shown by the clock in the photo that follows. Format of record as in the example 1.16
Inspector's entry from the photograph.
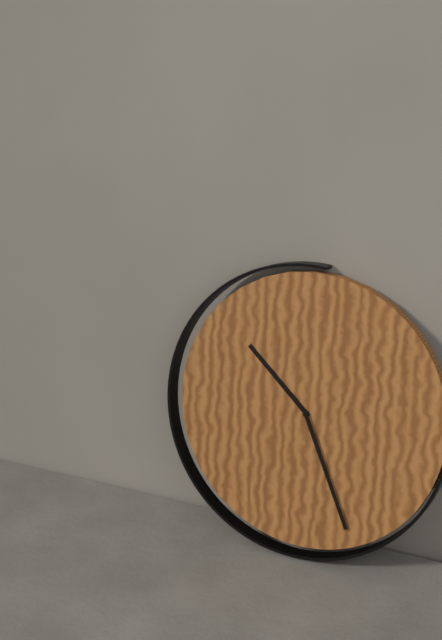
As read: 10.26
